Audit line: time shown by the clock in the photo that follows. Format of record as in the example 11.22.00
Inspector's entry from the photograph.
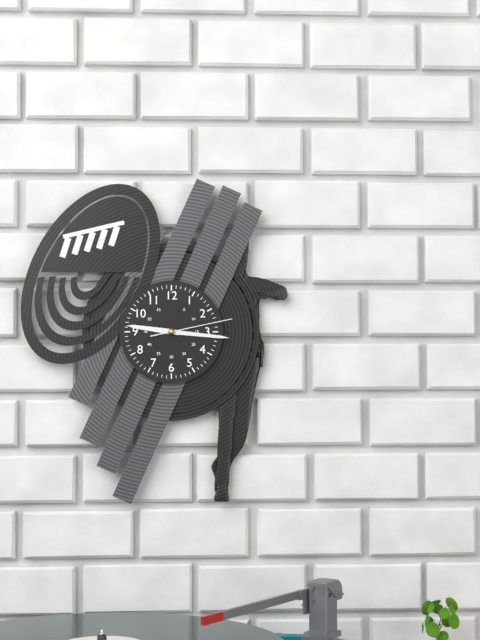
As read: 9.16.13
